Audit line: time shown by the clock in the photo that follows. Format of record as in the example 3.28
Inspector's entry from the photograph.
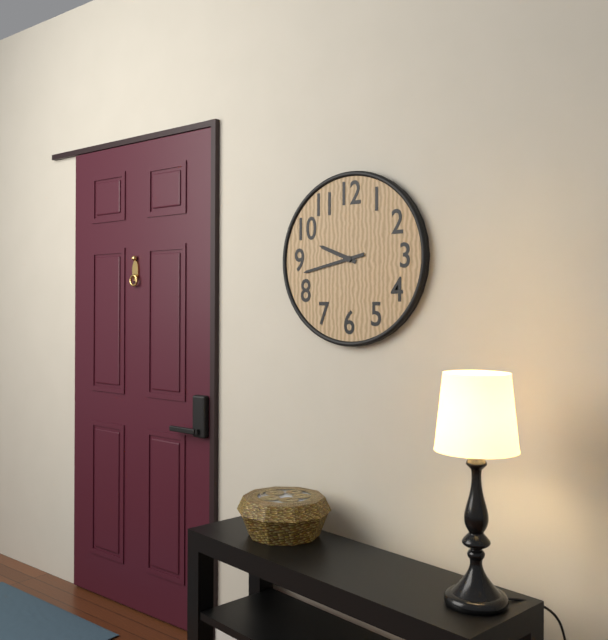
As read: 9.43
